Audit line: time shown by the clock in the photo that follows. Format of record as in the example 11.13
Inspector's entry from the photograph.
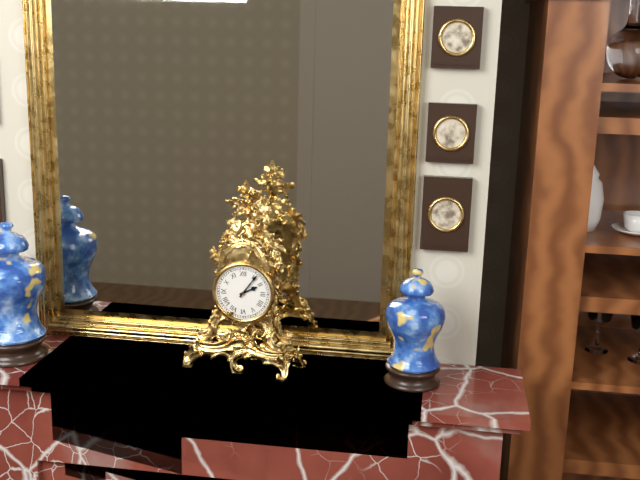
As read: 2.06
